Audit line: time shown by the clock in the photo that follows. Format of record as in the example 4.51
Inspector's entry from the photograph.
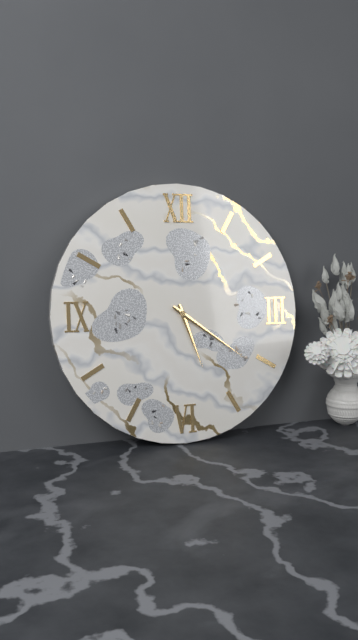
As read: 5.21
